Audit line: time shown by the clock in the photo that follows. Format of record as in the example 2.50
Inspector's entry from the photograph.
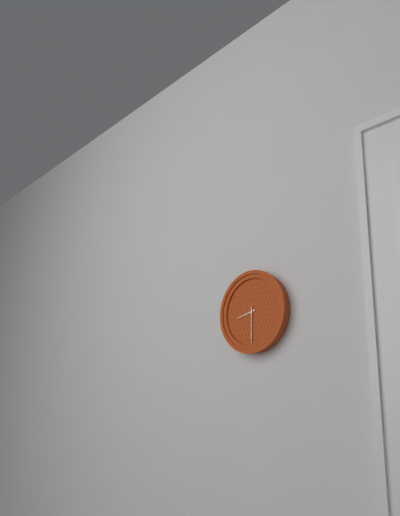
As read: 8.30
